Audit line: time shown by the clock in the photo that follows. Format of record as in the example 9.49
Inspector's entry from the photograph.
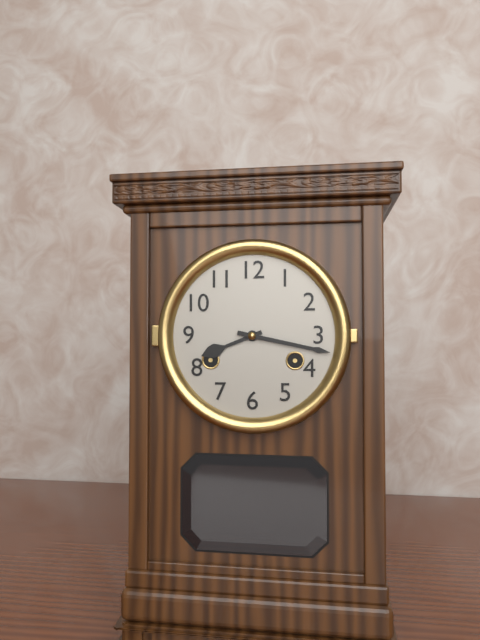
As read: 8.17
